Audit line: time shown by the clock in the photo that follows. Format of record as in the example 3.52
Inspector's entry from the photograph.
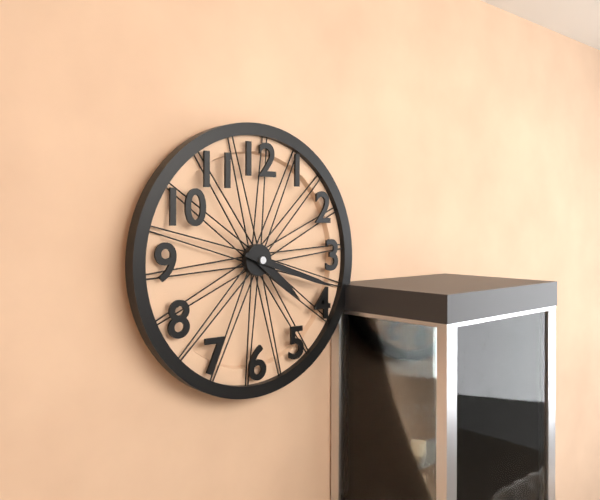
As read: 4.18
